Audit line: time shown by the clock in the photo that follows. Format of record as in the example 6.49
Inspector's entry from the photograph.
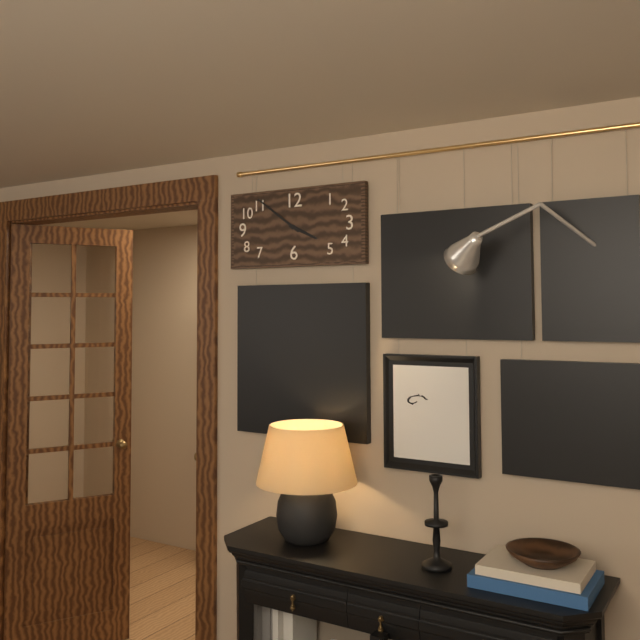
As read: 3.51
